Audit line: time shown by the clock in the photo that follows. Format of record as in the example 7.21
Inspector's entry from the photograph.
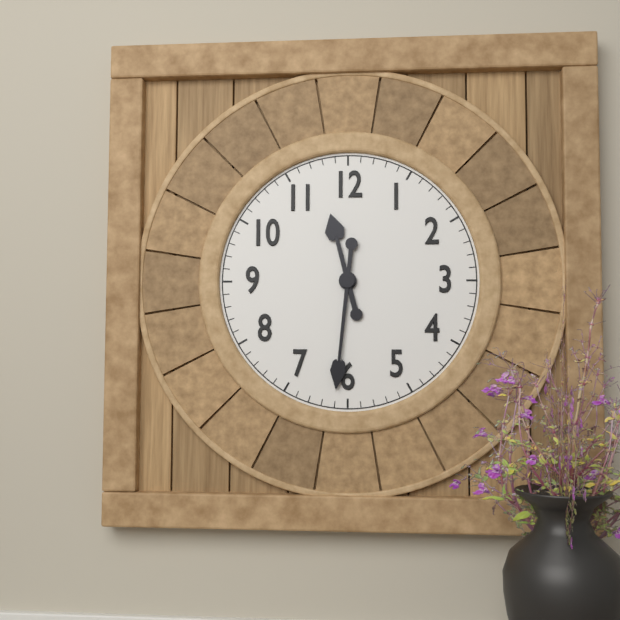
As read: 11.31
